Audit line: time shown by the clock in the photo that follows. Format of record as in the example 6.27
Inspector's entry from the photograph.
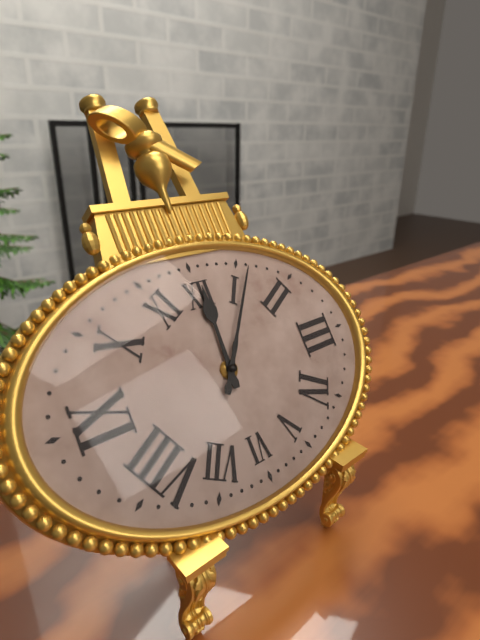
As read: 12.06
